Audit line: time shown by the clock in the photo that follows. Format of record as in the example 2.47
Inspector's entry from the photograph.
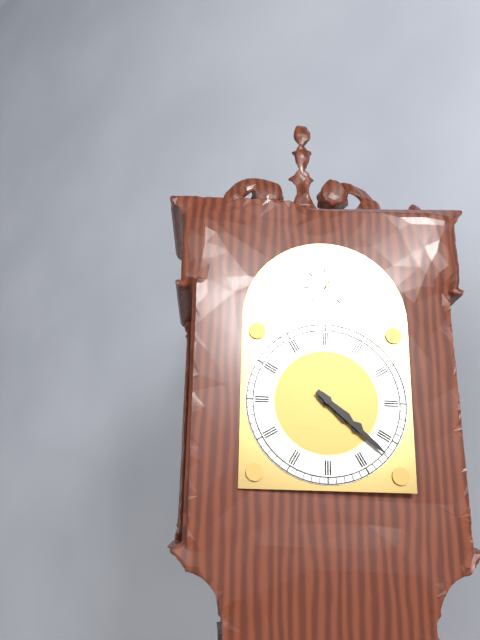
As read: 4.22
